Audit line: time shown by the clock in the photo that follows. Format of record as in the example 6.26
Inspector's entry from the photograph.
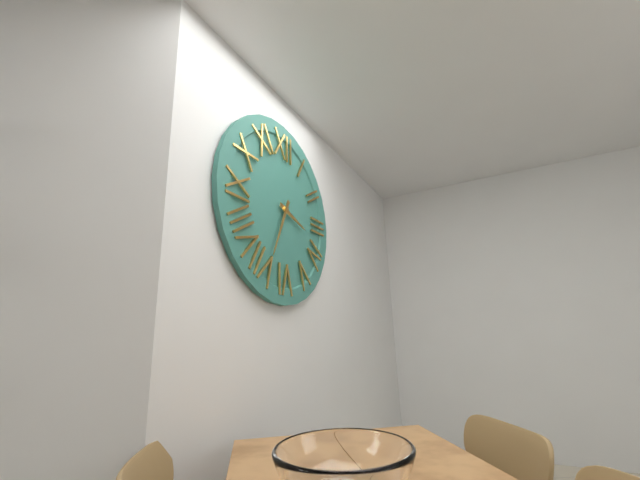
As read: 3.34
